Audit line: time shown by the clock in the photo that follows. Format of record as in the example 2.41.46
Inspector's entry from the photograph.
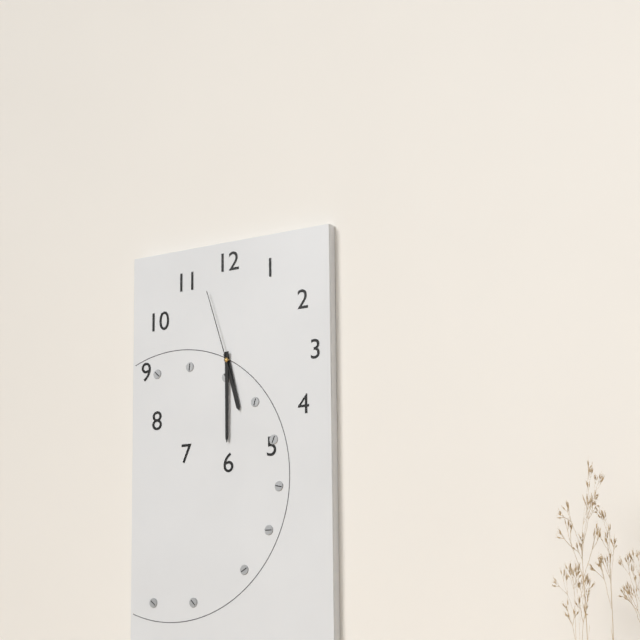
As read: 5.30.57
